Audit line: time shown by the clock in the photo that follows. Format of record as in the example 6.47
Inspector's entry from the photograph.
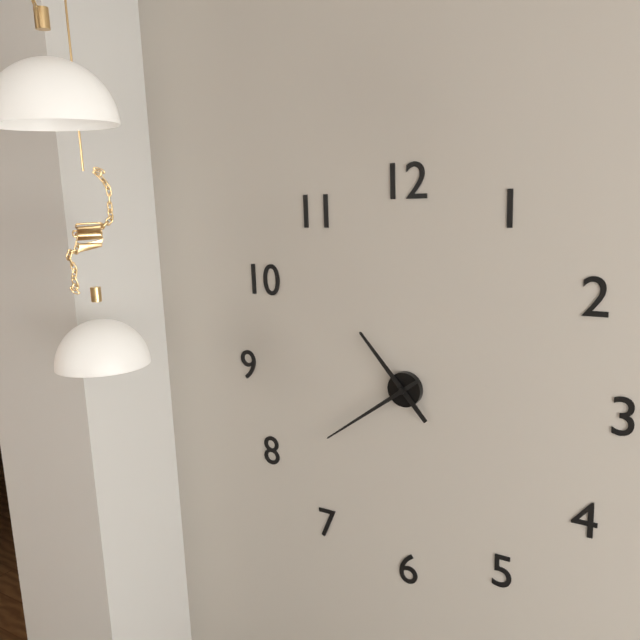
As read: 10.39
